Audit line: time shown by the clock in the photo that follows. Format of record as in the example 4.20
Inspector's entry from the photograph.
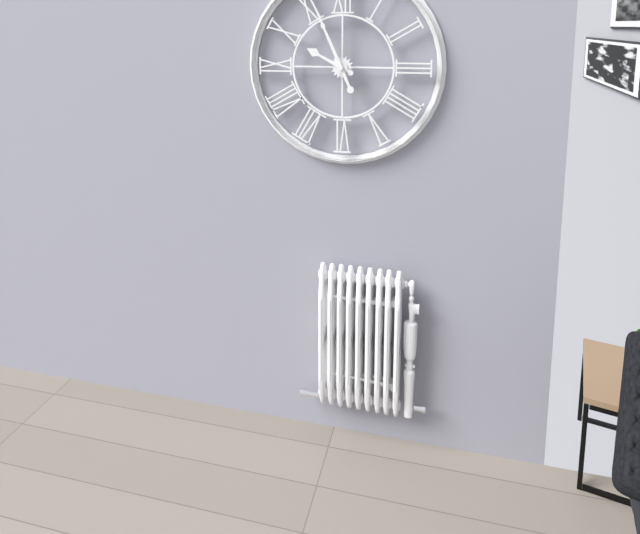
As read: 9.56
